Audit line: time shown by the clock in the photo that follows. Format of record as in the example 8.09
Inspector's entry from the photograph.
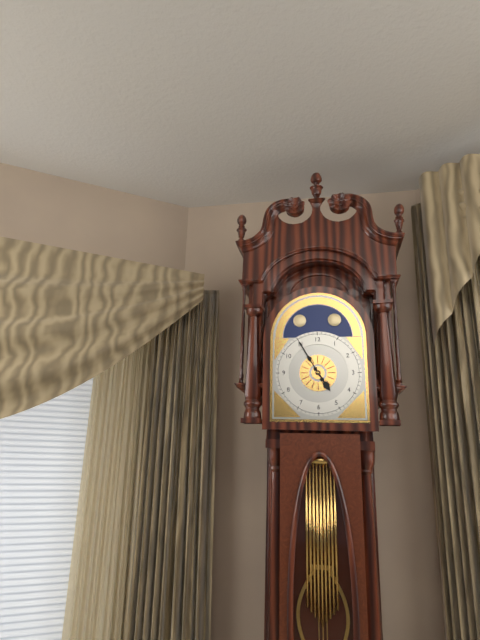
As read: 4.55
